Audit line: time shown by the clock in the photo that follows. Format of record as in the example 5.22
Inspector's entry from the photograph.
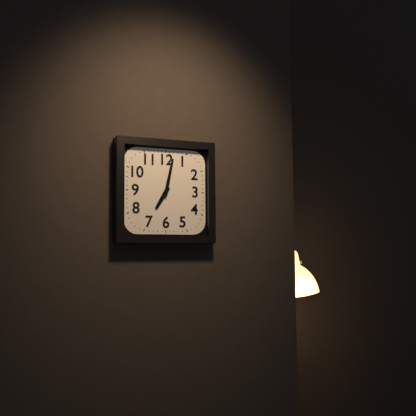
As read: 7.02
